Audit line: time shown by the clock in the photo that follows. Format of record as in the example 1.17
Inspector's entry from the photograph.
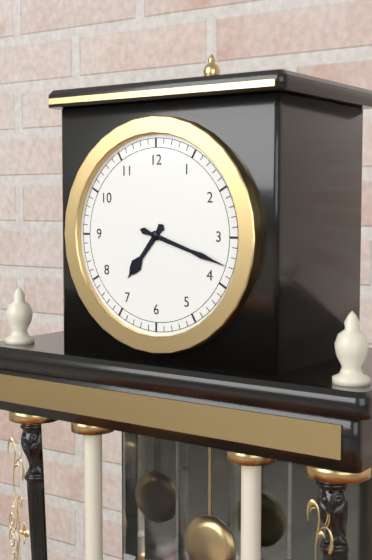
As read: 7.18
